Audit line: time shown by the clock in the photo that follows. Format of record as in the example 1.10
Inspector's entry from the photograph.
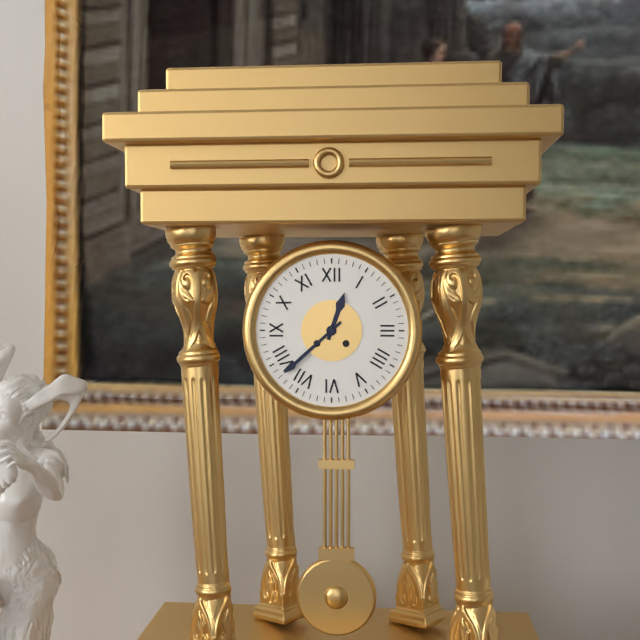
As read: 12.38
